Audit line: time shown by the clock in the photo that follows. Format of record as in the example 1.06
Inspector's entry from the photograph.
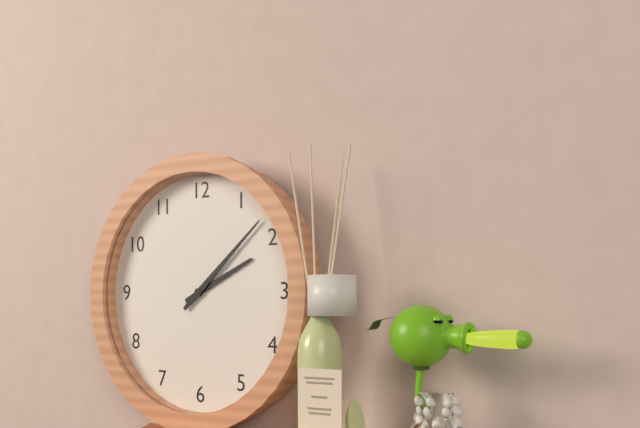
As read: 2.08
